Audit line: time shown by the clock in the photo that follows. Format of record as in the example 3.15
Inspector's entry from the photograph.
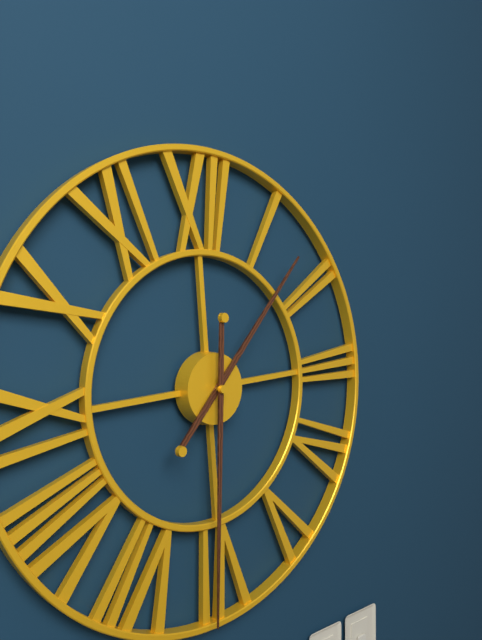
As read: 1.31
